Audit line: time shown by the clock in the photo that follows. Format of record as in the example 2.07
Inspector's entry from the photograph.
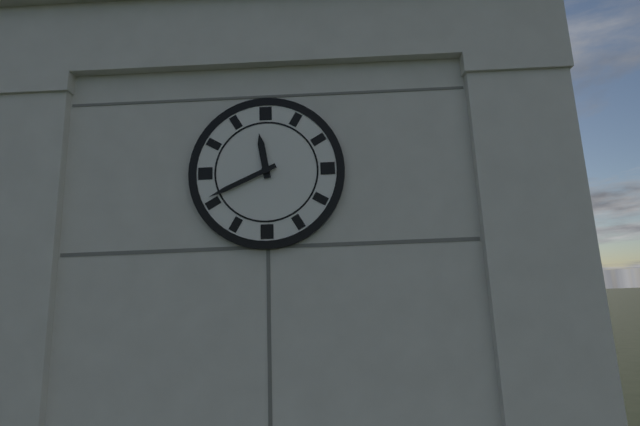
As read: 11.41
